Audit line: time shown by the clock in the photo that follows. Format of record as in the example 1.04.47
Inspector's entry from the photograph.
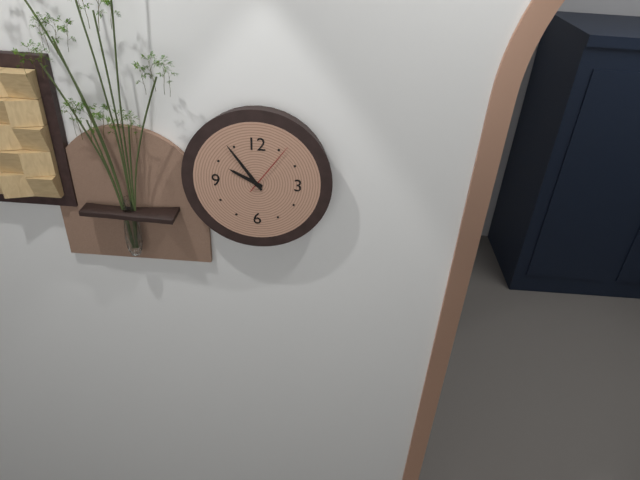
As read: 9.54.06
